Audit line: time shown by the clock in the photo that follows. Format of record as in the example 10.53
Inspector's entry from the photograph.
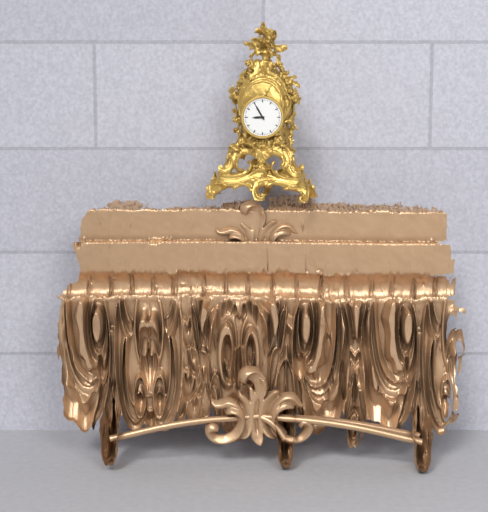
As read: 8.55
